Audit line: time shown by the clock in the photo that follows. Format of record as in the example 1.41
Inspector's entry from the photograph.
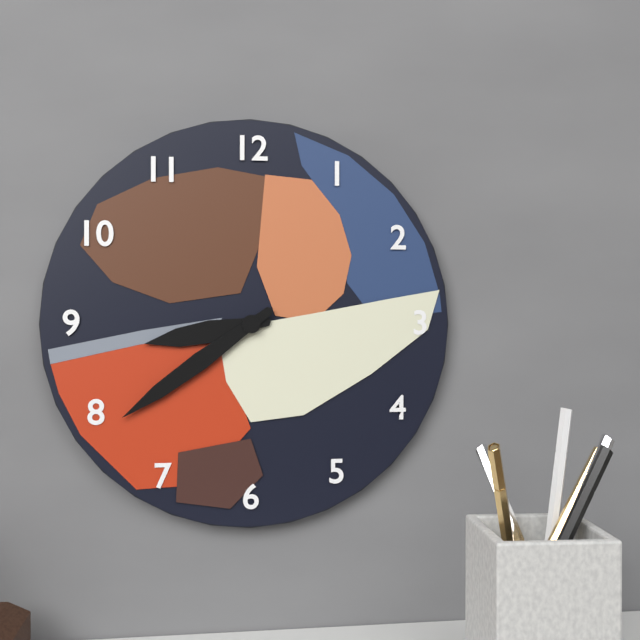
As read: 8.39
